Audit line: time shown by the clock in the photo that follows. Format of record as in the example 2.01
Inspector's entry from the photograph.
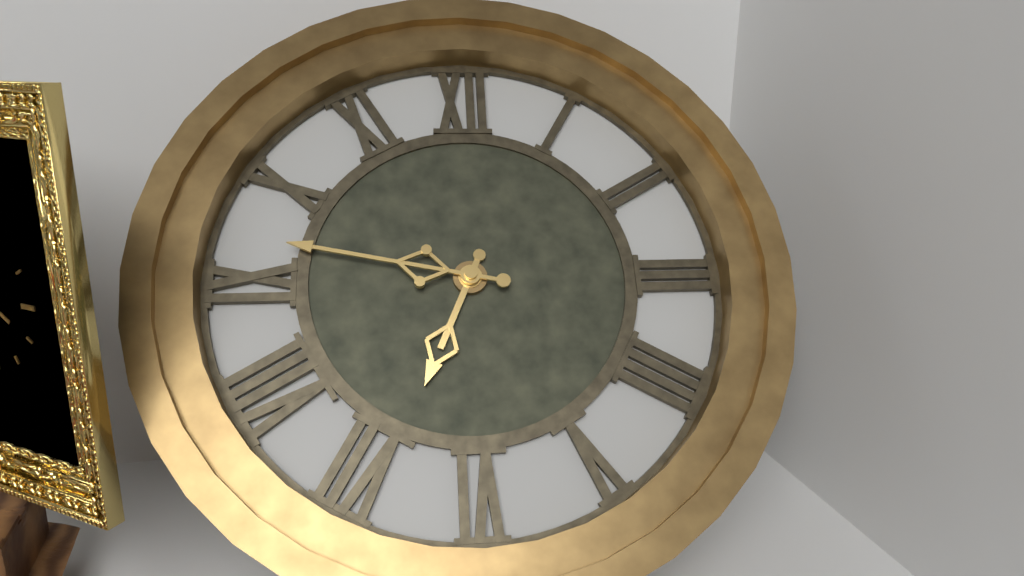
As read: 6.47
